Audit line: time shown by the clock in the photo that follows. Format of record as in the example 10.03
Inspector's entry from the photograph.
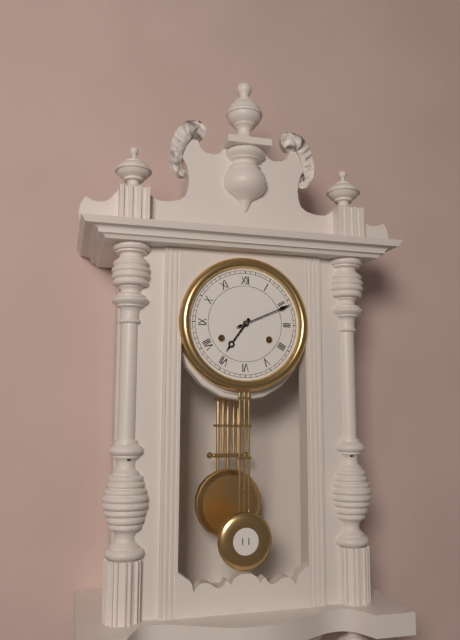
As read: 7.11
